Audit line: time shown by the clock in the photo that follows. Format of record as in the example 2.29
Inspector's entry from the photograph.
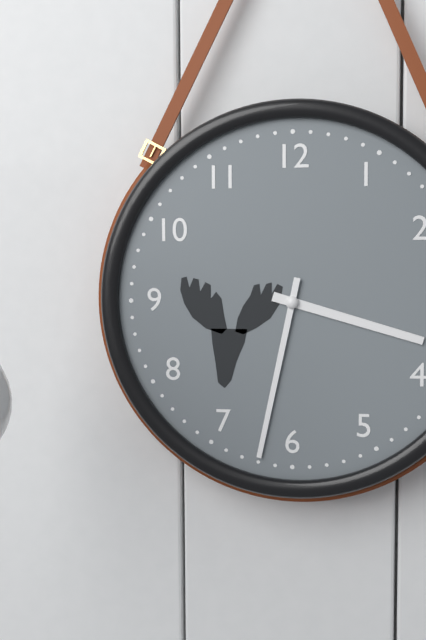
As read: 3.32
